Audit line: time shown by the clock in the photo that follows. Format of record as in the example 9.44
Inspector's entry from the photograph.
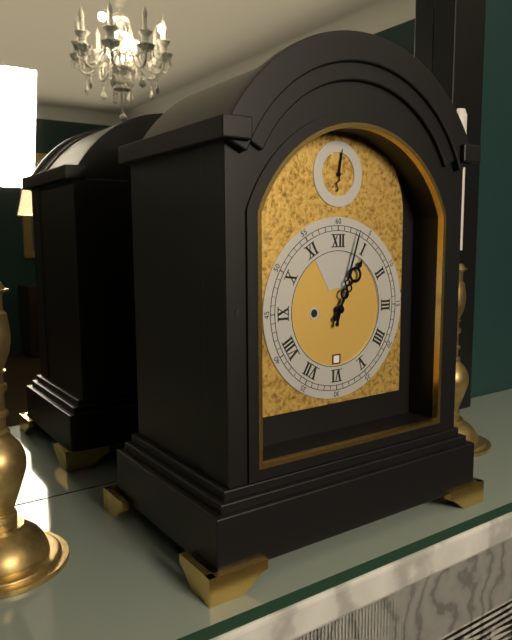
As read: 1.03
